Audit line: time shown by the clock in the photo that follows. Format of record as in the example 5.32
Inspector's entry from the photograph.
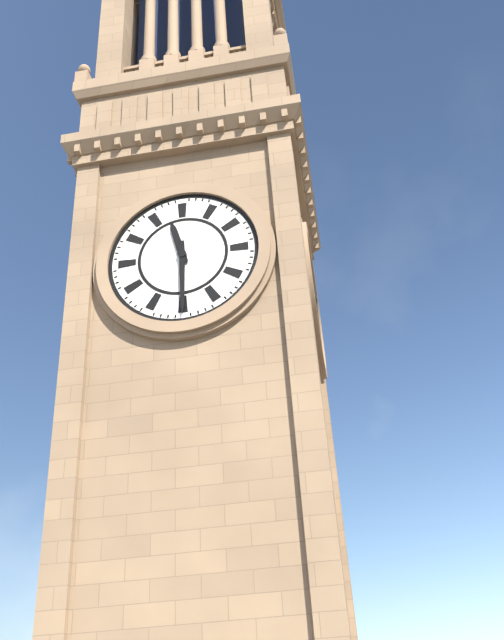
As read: 11.30
